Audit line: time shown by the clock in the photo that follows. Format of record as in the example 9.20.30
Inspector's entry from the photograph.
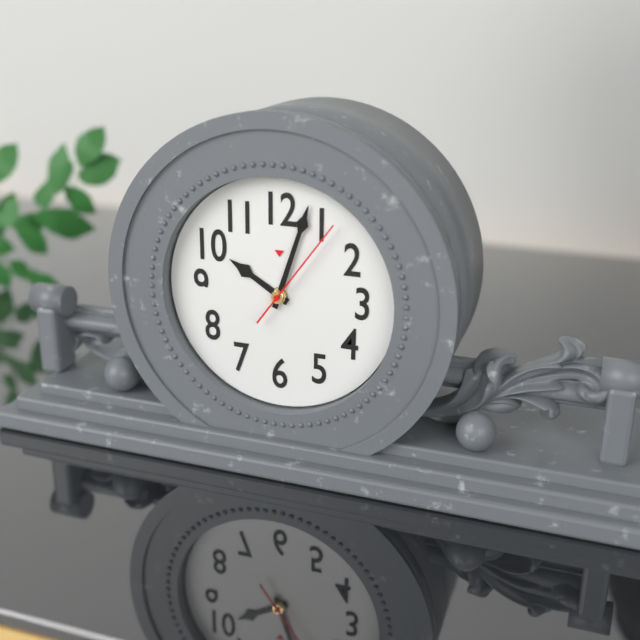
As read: 10.03.06
